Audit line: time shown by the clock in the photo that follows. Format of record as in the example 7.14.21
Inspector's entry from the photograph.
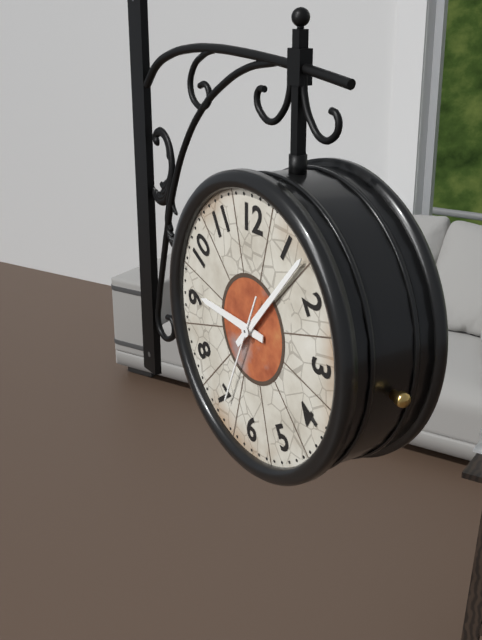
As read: 9.07.34
